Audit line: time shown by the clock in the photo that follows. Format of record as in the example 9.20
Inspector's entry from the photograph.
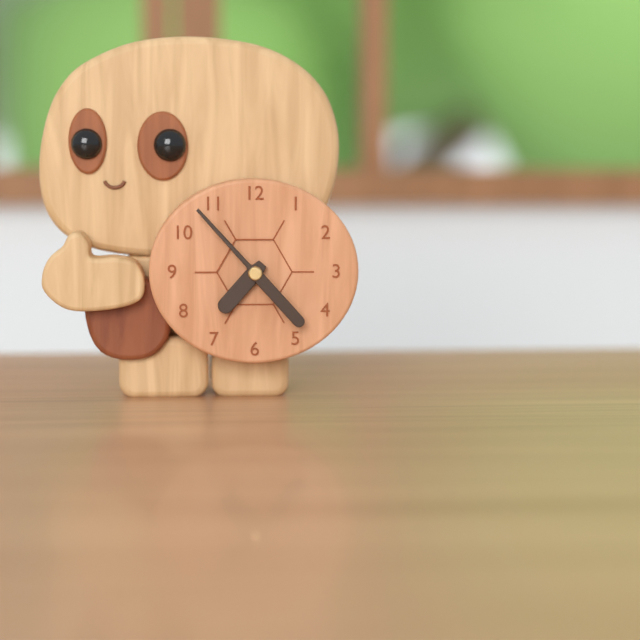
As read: 7.23
